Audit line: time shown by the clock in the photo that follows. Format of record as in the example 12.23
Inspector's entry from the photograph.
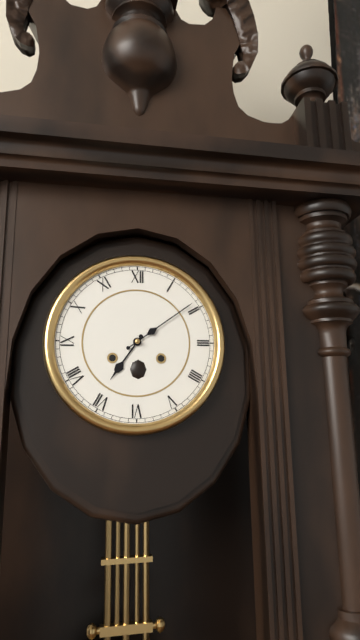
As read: 7.09
